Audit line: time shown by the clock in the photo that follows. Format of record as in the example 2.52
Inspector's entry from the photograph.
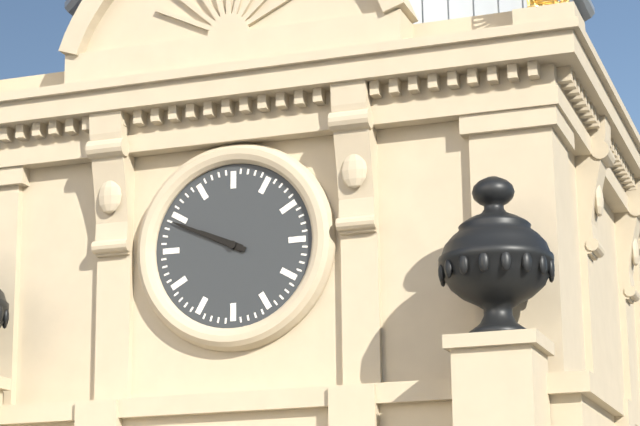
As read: 9.49
